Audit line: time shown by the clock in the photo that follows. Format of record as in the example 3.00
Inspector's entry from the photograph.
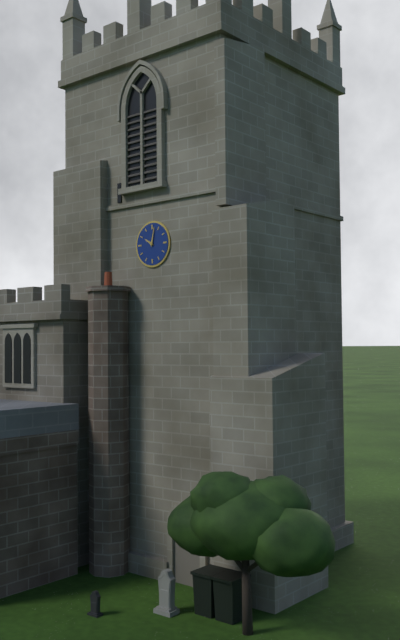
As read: 10.02
